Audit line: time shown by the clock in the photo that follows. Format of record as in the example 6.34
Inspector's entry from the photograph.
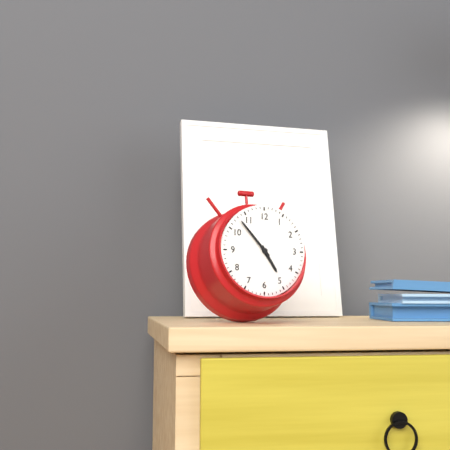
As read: 4.53
